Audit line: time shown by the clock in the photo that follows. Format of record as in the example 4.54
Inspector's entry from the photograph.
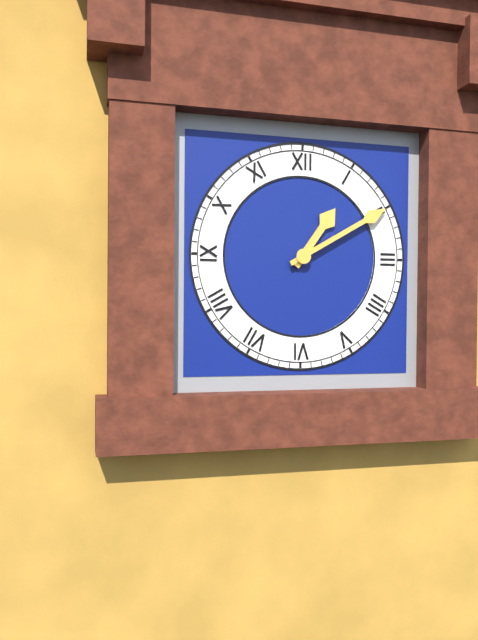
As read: 1.10
